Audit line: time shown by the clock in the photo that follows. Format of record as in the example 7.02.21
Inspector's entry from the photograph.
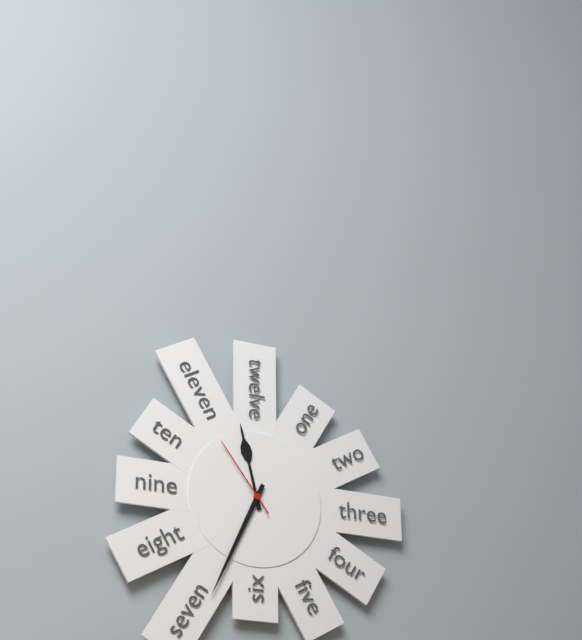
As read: 11.34.54
